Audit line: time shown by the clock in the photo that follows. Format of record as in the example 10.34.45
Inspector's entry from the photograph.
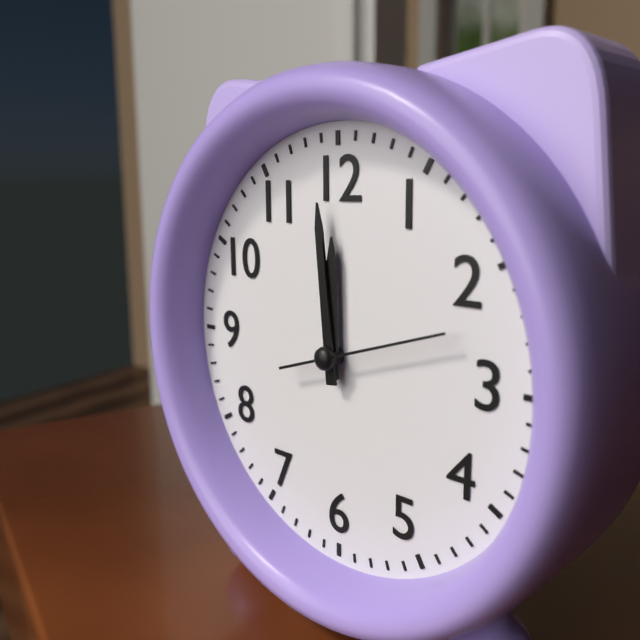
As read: 11.59.12
